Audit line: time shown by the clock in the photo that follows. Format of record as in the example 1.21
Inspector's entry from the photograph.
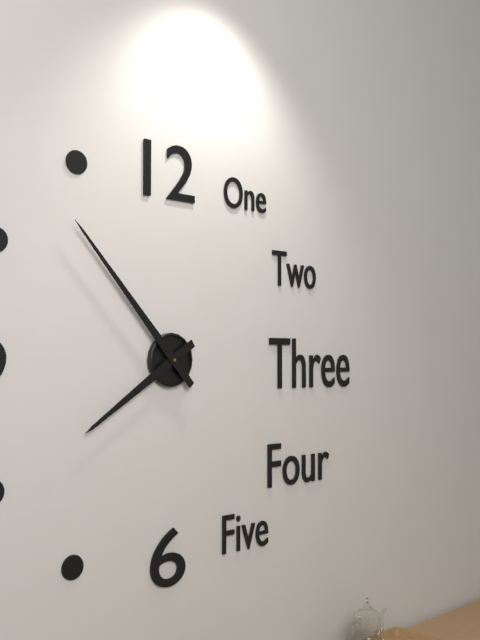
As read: 7.53
